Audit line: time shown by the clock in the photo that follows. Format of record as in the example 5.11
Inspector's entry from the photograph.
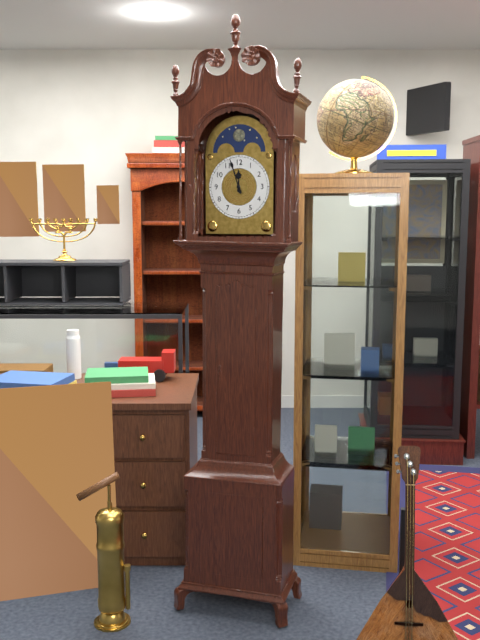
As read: 11.57
